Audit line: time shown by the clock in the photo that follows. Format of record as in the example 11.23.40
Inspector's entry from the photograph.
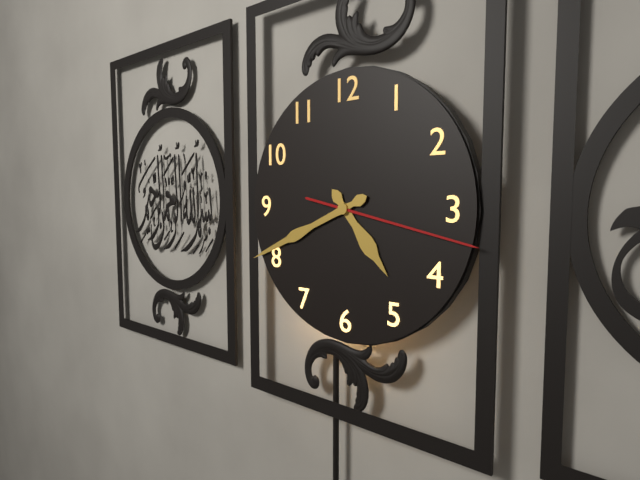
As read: 4.41.17
